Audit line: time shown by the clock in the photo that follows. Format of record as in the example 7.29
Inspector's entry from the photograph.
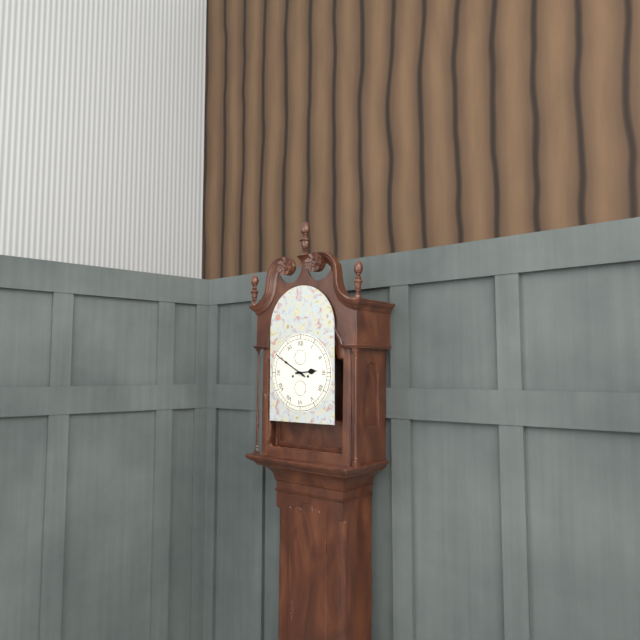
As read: 2.50
